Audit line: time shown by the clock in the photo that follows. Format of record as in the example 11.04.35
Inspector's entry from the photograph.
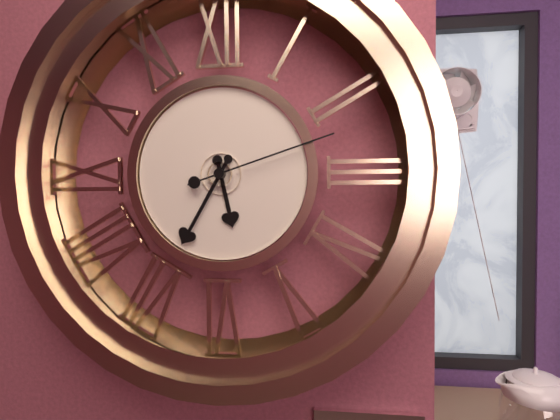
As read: 5.35.12
